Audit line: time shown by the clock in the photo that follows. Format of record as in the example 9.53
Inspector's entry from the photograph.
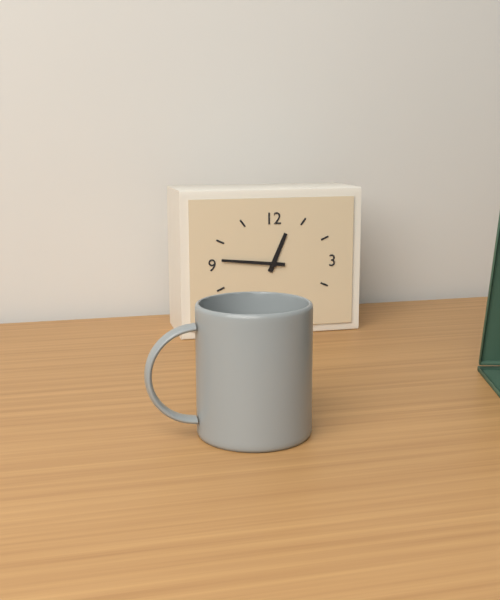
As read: 12.46
